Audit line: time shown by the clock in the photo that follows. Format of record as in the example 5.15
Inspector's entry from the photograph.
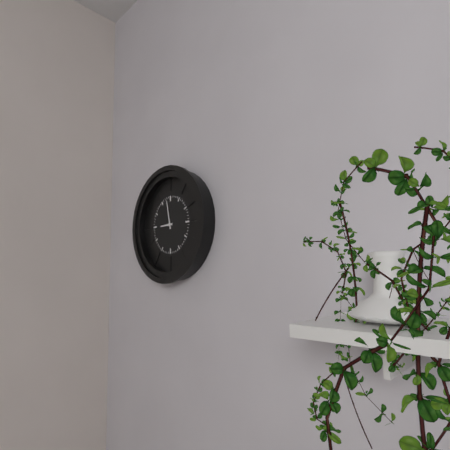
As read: 8.58
